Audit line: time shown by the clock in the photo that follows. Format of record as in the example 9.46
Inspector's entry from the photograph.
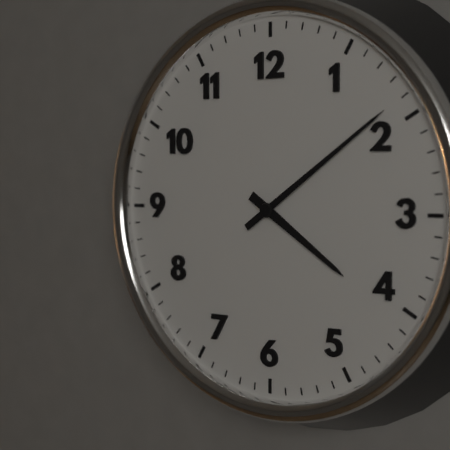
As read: 4.09
